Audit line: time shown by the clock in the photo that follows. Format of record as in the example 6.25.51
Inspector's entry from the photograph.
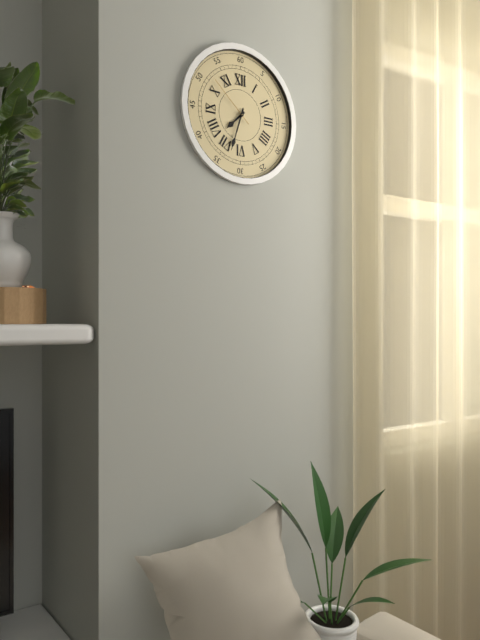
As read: 7.33.52
